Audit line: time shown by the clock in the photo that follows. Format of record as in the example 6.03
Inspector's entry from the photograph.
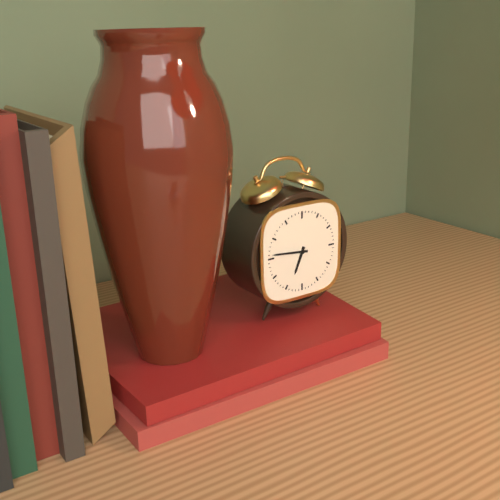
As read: 6.46
